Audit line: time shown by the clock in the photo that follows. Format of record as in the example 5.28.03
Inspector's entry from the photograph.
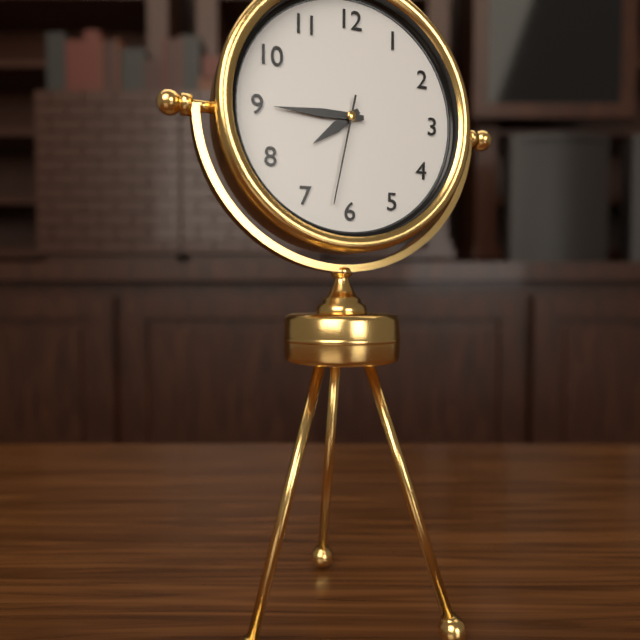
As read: 7.45.32
